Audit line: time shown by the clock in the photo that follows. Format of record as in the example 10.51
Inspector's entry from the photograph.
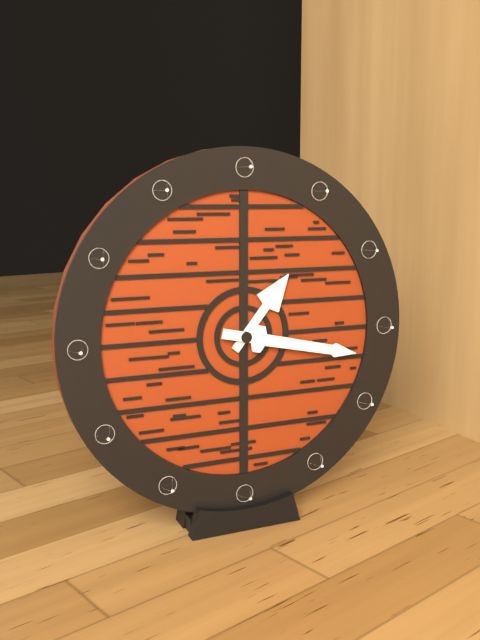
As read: 1.17
